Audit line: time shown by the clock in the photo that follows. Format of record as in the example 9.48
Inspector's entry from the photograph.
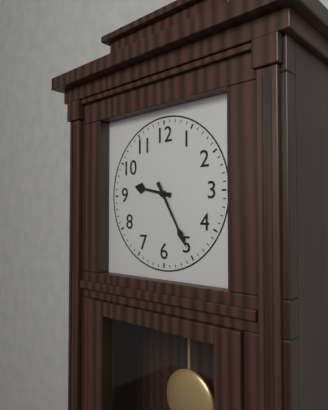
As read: 9.25
